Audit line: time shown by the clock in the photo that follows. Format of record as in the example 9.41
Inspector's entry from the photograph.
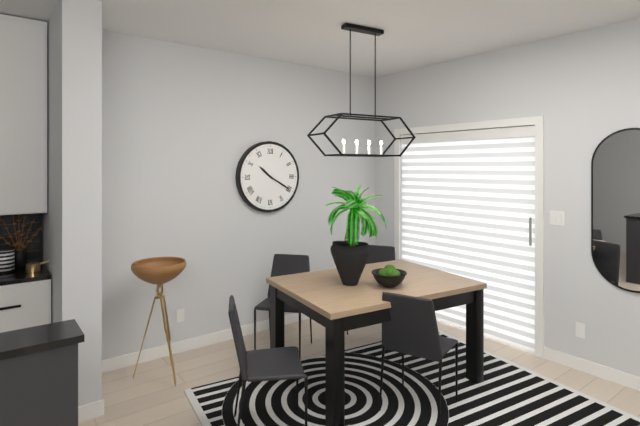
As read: 10.20
